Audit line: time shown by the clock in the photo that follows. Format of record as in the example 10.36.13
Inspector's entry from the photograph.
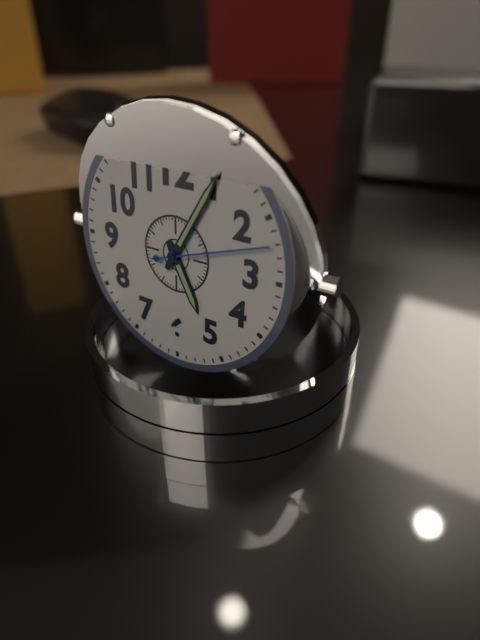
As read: 5.05.12
